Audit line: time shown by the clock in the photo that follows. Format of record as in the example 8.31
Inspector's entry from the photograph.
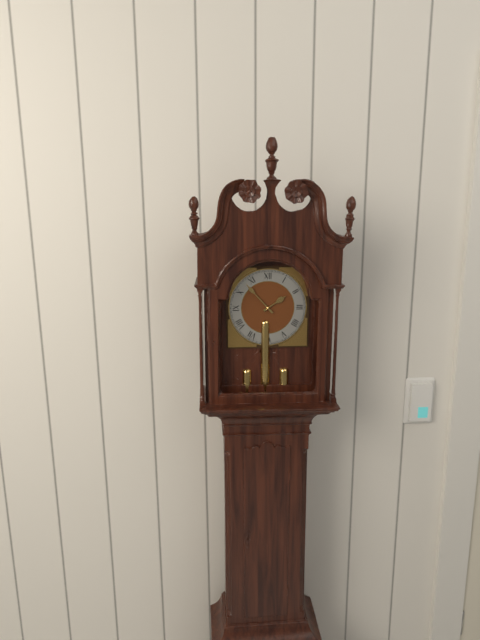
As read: 1.53
